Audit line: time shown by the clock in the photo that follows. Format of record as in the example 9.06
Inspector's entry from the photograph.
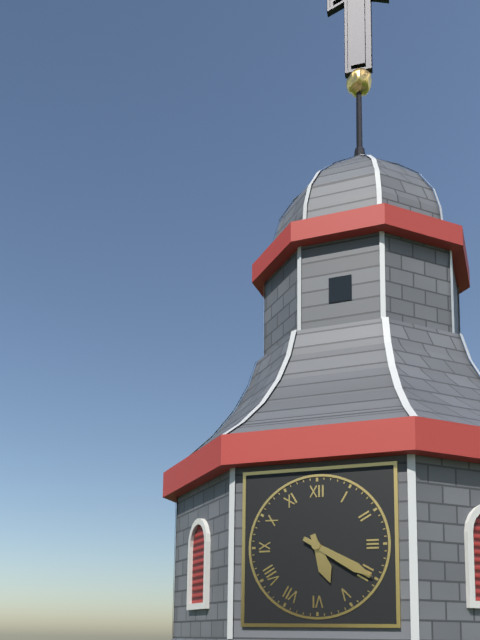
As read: 5.20
